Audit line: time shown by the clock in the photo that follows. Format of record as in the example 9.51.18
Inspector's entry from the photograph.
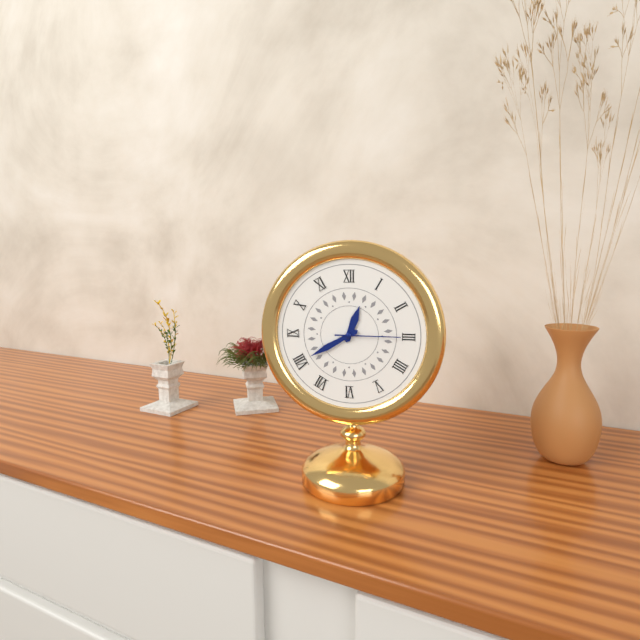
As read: 12.40.15
